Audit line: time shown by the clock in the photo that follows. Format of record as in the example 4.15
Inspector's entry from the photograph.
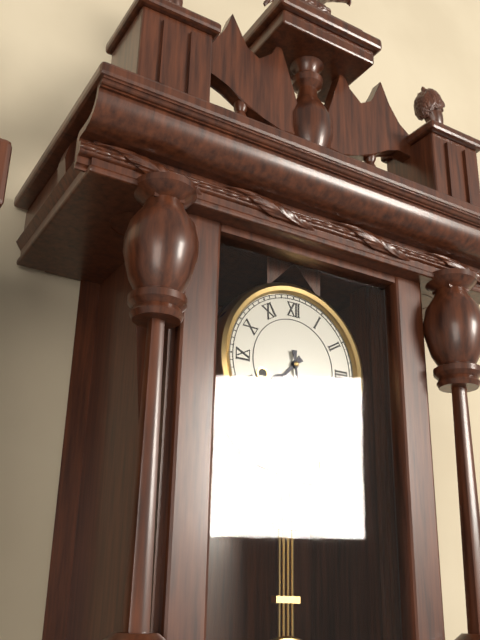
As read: 7.29
